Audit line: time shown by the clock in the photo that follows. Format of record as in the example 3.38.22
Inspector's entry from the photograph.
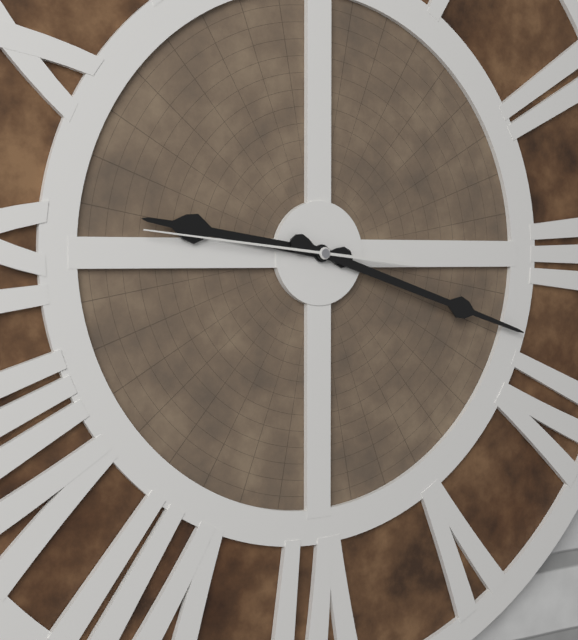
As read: 9.18.46
